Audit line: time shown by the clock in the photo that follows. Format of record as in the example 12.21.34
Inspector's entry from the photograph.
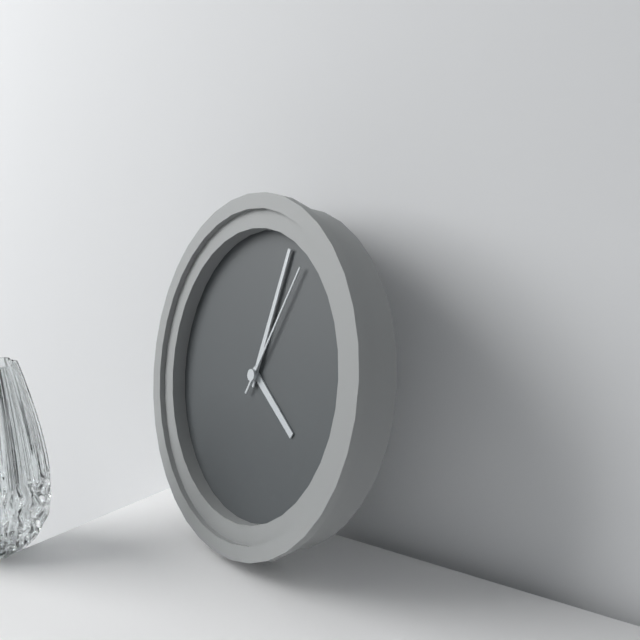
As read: 4.02.04
